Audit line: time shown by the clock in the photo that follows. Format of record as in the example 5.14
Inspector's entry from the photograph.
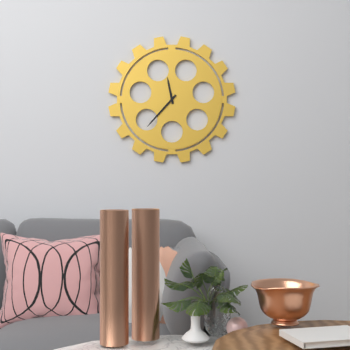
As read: 11.37
